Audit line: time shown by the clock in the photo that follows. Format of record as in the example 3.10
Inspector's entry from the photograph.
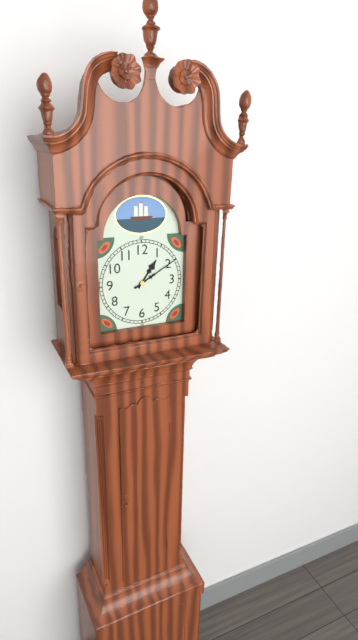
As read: 1.10
